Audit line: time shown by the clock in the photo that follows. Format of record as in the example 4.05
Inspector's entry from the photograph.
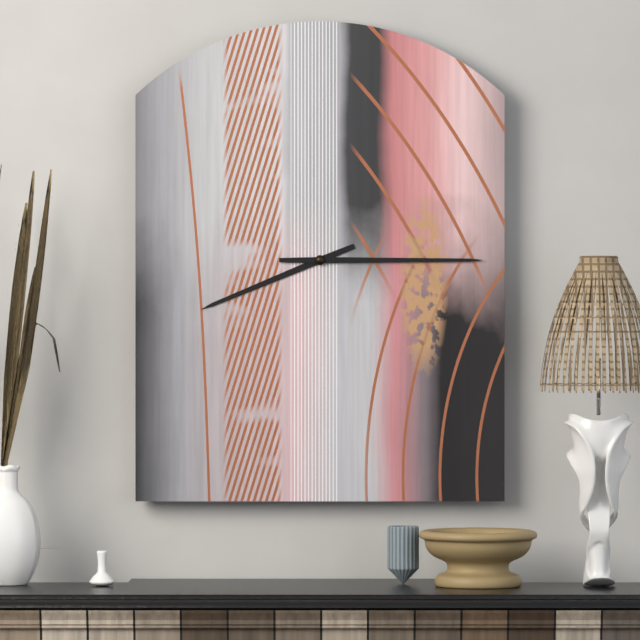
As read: 8.15
